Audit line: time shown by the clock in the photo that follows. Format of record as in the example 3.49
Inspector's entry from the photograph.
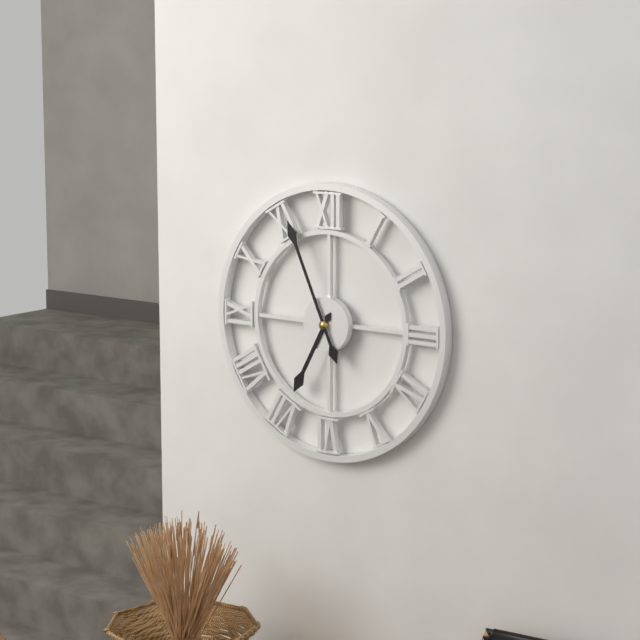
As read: 6.56
